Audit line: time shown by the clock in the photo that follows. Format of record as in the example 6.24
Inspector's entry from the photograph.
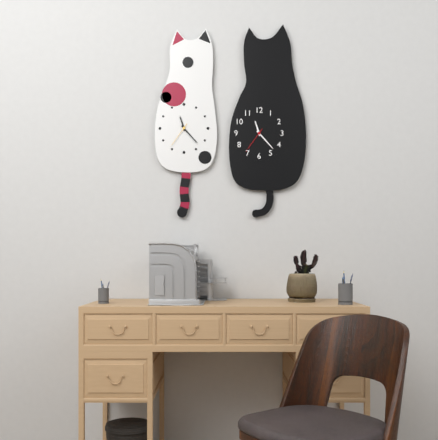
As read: 11.23
